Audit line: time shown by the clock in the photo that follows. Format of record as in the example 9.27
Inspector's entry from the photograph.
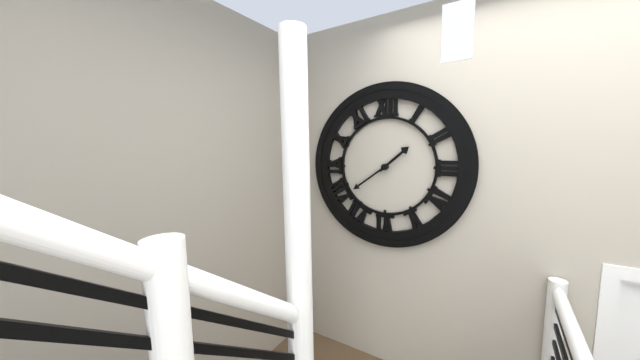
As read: 1.39
